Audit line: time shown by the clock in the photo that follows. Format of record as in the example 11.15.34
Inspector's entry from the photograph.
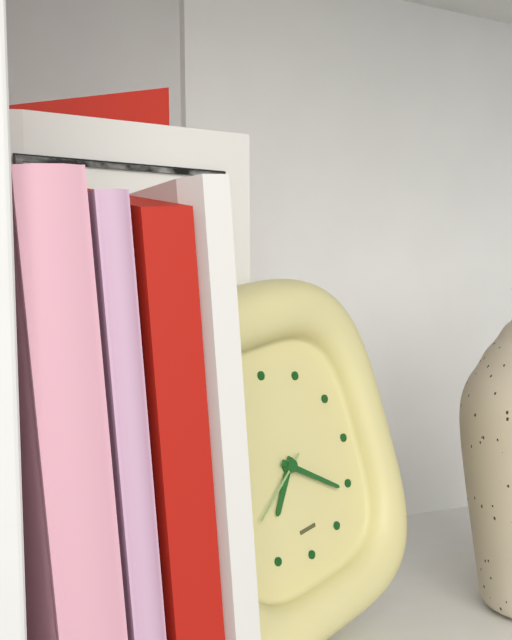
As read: 7.21.40
